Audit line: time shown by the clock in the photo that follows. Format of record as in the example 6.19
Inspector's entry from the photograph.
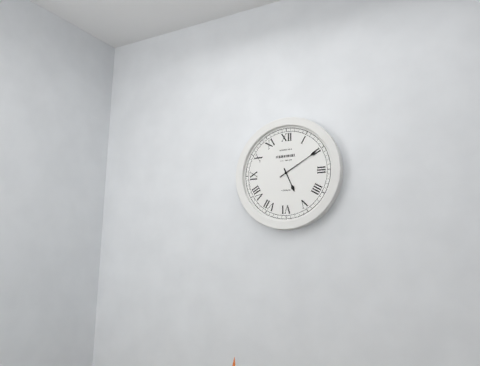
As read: 5.10
